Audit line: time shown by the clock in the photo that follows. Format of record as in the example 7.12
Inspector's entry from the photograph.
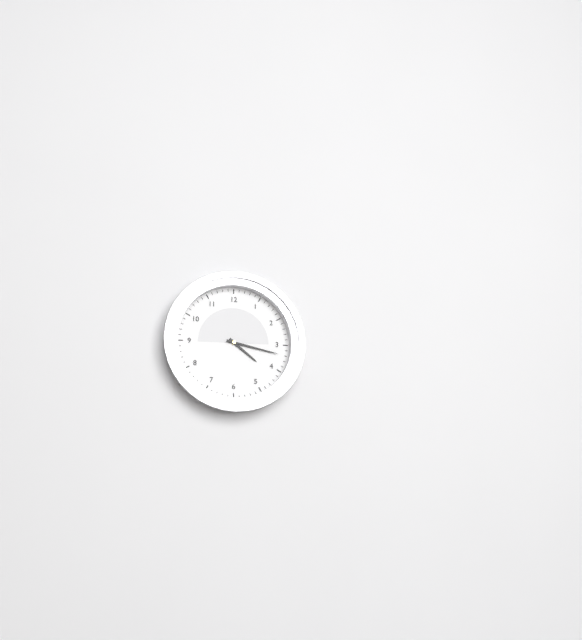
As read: 4.17
